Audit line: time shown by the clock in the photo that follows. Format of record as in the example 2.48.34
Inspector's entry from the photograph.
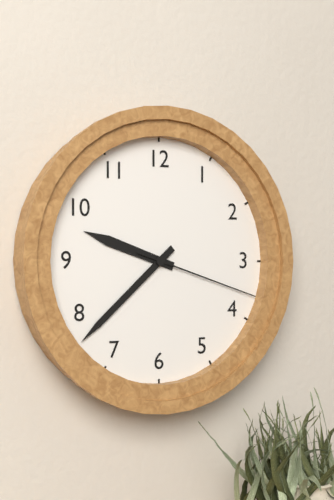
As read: 9.38.18
